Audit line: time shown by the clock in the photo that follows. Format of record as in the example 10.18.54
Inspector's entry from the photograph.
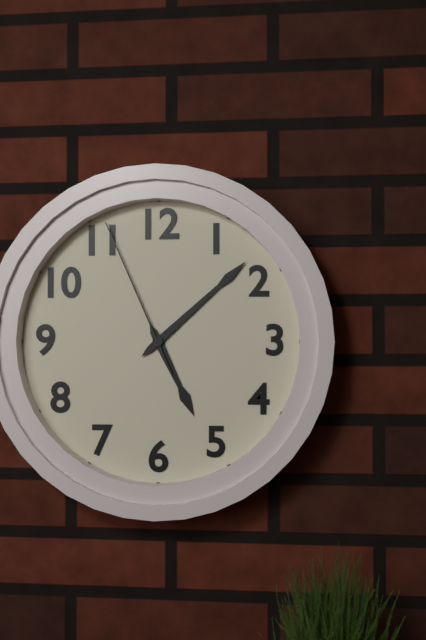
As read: 5.08.56
